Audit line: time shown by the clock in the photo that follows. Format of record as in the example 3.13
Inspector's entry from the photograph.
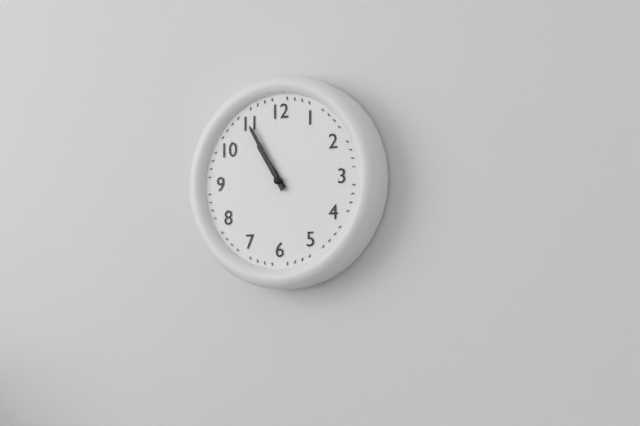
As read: 10.55
